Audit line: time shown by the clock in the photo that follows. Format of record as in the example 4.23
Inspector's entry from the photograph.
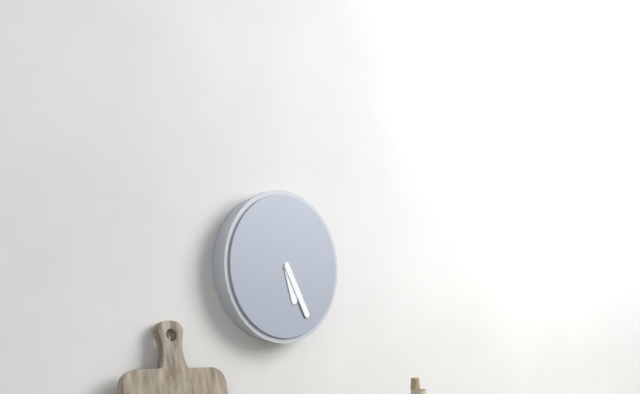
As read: 5.25
